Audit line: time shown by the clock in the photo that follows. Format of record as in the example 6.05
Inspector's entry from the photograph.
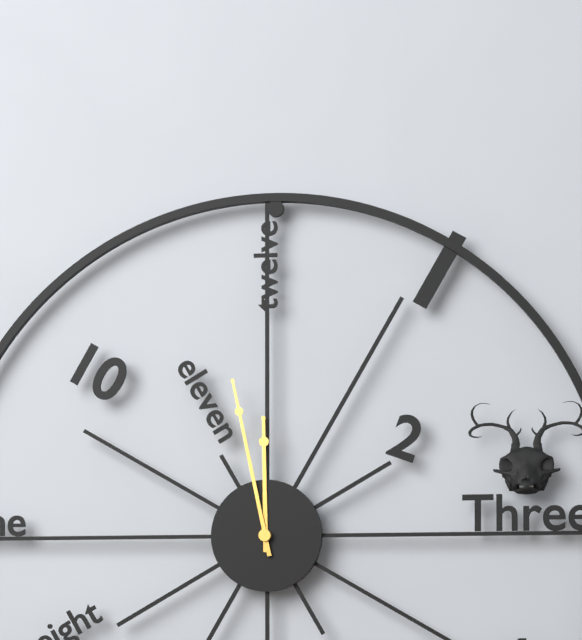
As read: 11.58
